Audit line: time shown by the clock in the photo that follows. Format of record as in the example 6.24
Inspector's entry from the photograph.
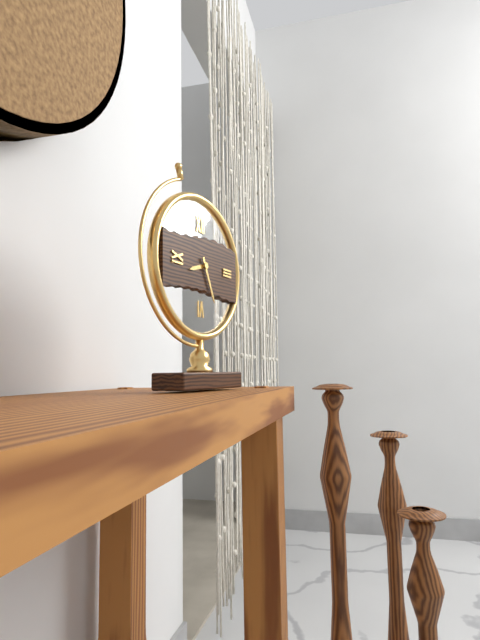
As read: 8.26
